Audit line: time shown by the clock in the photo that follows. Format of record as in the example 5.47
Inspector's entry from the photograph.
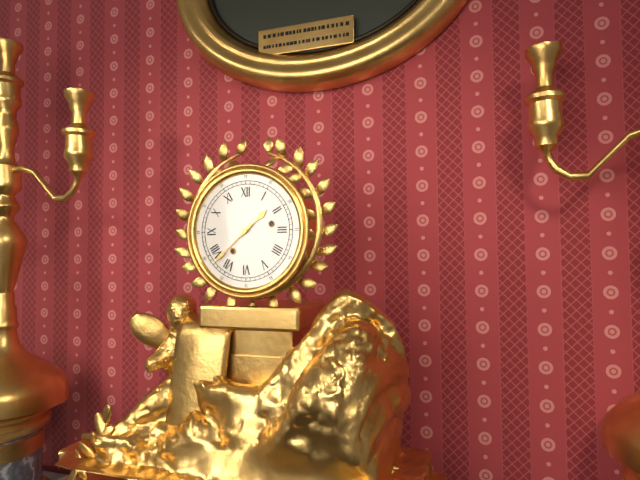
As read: 1.38
